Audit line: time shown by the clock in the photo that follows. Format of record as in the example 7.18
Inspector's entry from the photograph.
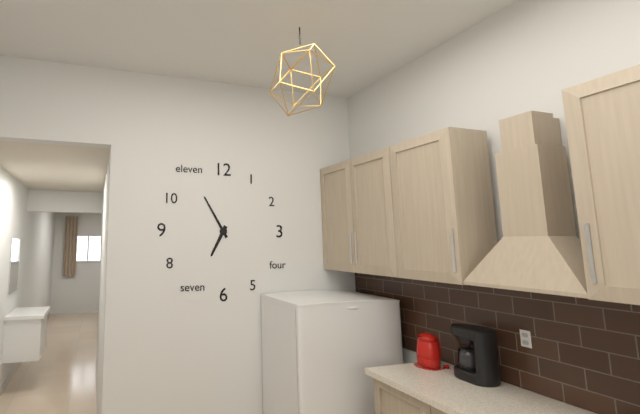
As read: 6.55
